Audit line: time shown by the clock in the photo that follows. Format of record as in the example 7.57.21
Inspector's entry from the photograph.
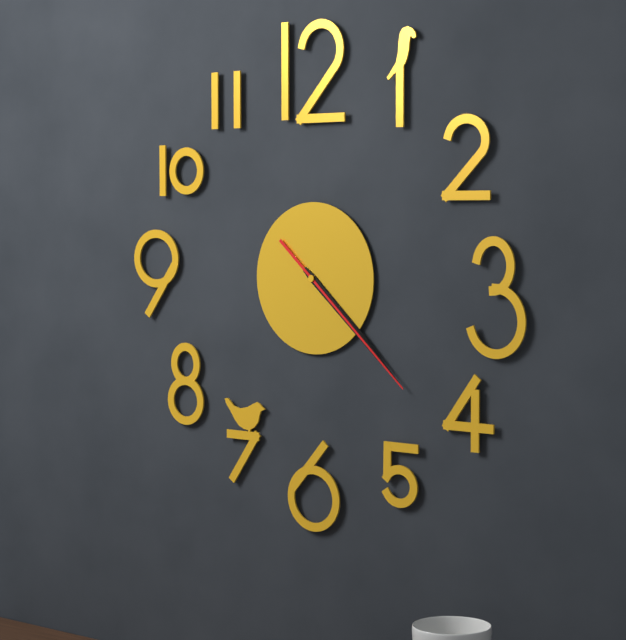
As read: 4.22.22
